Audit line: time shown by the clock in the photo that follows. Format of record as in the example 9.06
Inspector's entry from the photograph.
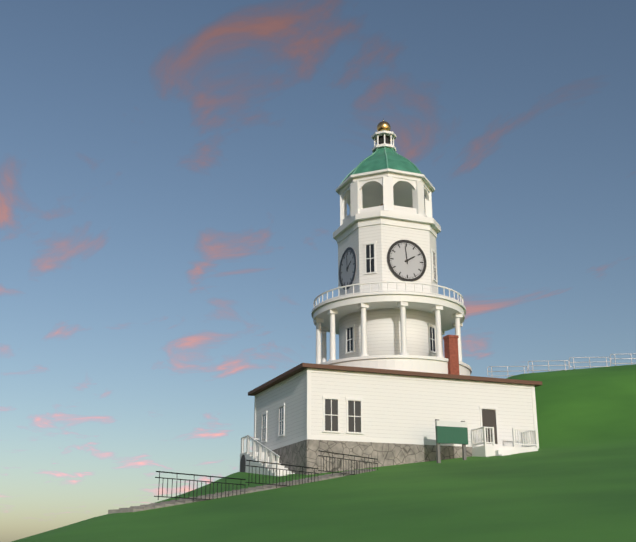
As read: 1.59
